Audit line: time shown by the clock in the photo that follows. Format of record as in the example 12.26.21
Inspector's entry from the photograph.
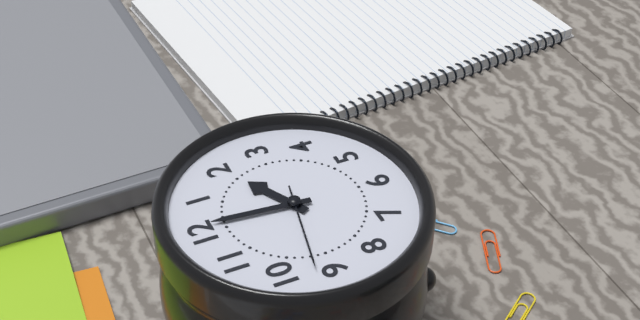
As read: 2.01.47
